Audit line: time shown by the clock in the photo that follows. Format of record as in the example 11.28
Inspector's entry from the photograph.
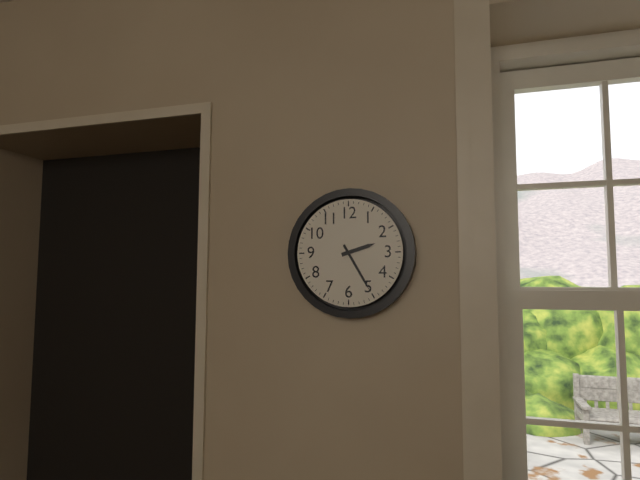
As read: 2.25
